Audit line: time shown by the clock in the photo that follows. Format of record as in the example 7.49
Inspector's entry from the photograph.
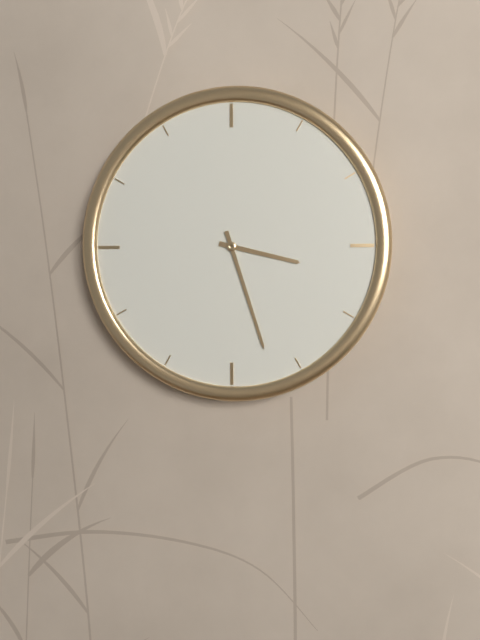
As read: 3.27
